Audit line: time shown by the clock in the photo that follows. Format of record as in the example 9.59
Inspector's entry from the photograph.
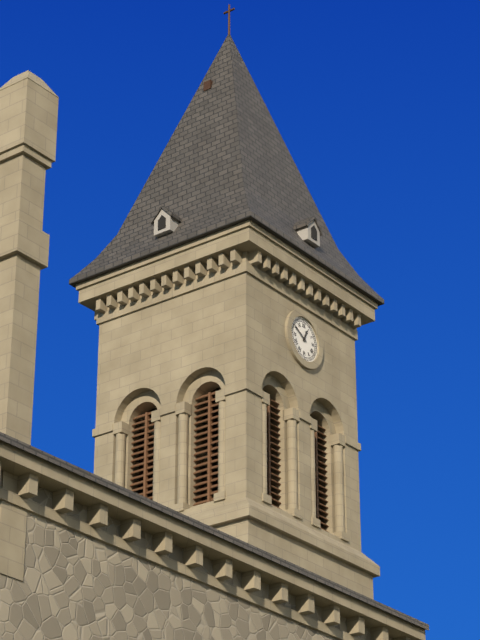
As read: 12.50
